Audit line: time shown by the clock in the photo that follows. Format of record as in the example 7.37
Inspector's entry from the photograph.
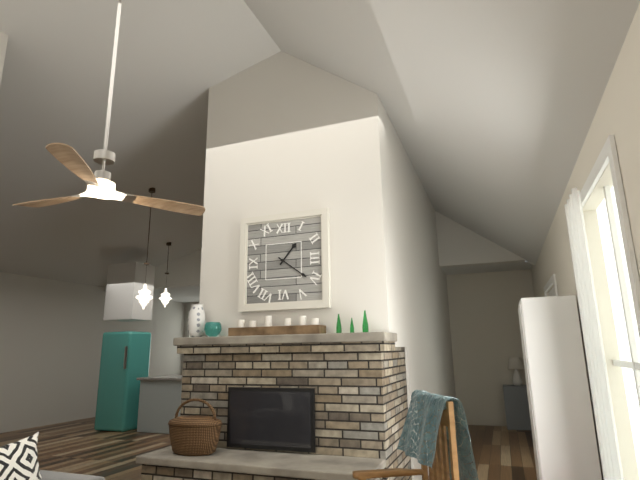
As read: 1.21
